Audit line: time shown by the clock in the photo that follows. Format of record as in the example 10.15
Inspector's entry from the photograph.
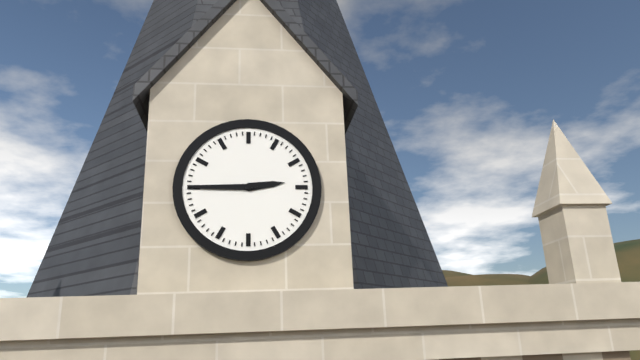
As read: 2.45
